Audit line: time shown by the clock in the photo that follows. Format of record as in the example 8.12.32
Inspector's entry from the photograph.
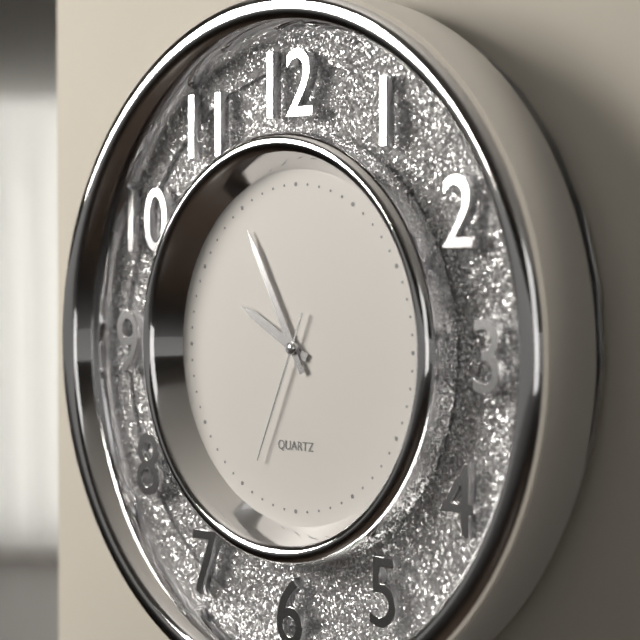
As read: 9.55.34
